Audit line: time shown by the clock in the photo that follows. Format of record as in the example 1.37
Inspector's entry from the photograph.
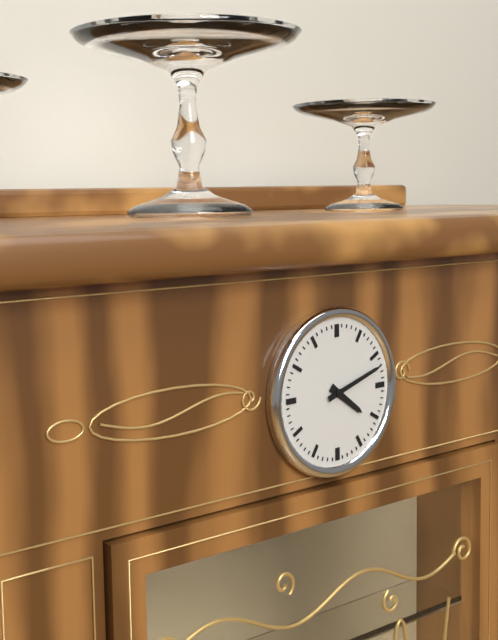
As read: 4.12
